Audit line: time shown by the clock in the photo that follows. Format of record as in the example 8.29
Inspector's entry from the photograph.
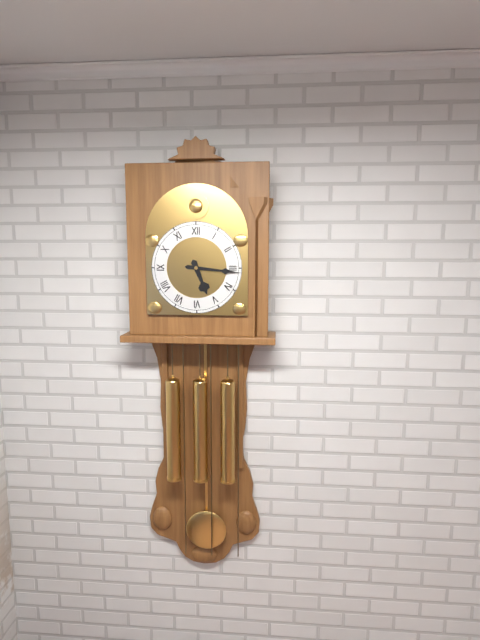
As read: 5.16
